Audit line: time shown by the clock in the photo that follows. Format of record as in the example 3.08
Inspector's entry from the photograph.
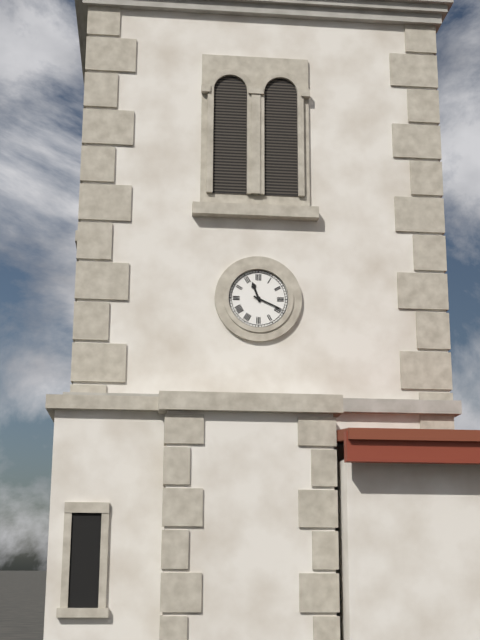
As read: 11.19
